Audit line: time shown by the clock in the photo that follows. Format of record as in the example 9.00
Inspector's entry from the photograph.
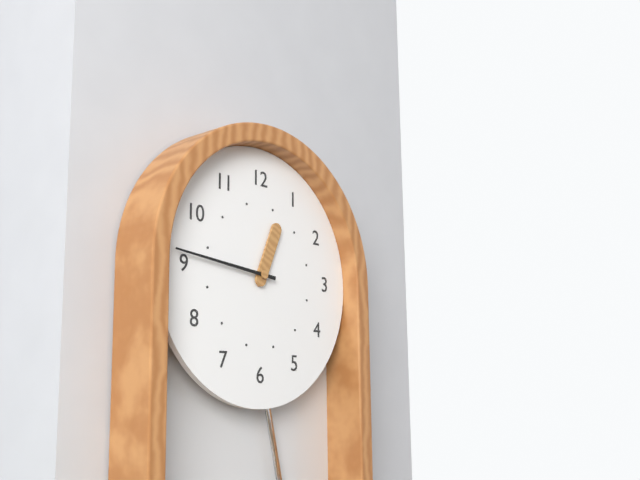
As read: 12.46
